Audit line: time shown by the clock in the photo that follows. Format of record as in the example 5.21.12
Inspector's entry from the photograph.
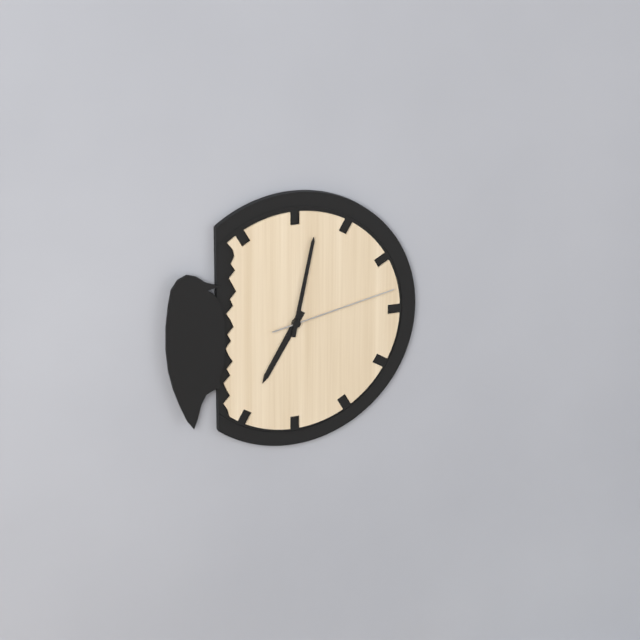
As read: 7.02.13
